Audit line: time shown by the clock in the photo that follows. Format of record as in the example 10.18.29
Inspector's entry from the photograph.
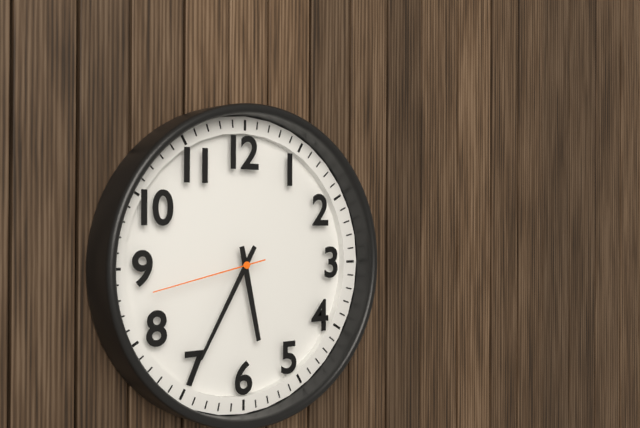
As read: 5.35.43
